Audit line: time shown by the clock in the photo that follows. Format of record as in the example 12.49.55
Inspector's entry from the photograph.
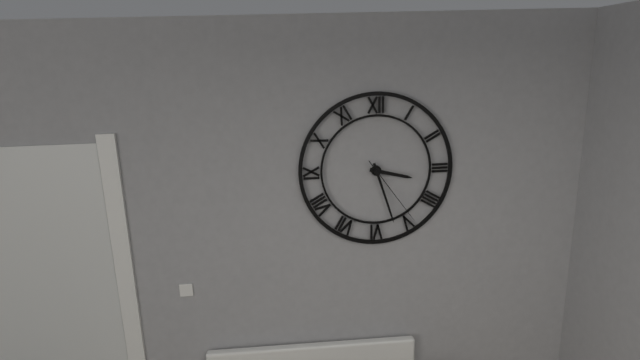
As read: 3.27.24
